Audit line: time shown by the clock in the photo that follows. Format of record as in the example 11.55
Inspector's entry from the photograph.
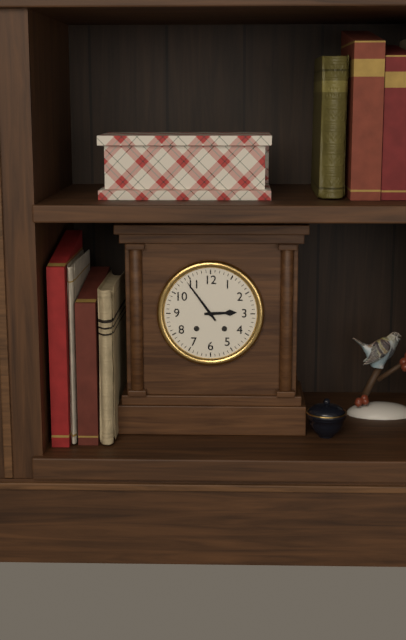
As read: 2.54
